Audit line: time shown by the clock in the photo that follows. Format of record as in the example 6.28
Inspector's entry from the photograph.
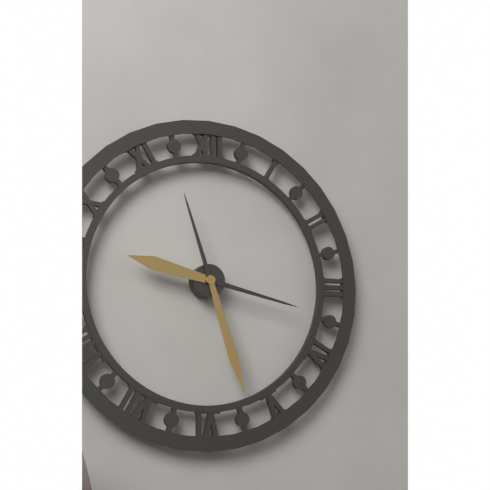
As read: 9.27
